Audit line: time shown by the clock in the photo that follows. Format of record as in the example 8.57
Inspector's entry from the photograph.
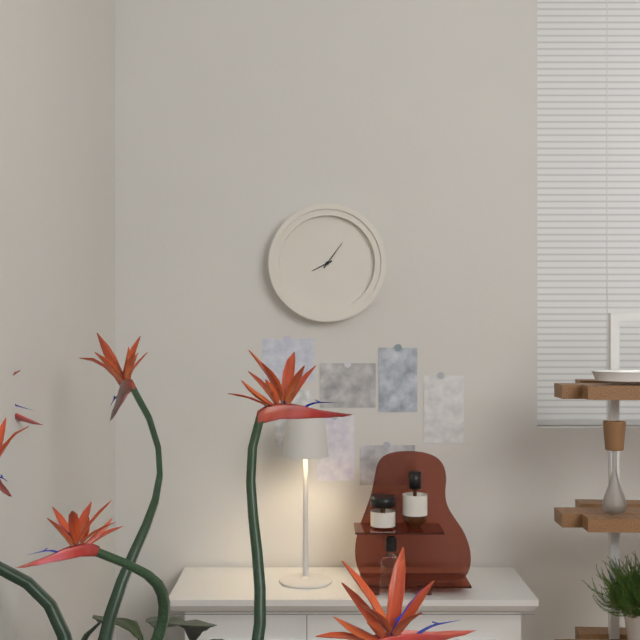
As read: 8.06
